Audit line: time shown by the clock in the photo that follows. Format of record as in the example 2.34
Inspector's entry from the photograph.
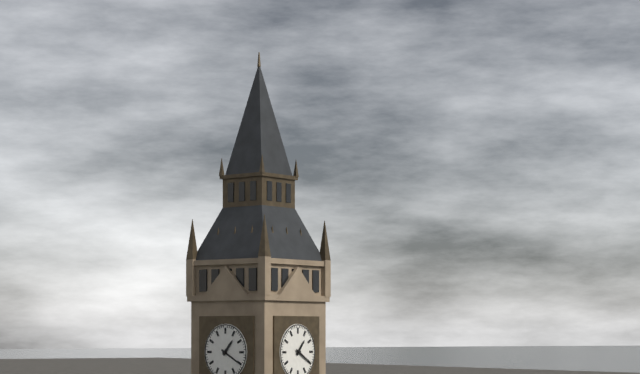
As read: 1.20
